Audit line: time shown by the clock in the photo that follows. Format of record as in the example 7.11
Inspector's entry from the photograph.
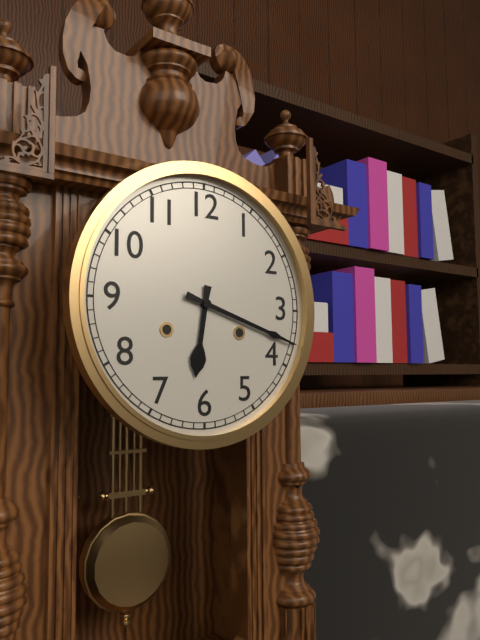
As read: 6.18
